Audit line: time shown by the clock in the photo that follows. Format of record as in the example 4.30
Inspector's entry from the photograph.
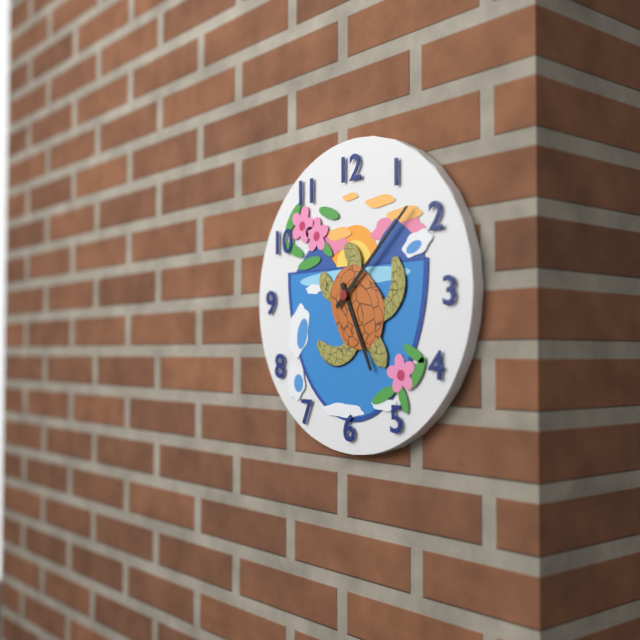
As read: 5.08
